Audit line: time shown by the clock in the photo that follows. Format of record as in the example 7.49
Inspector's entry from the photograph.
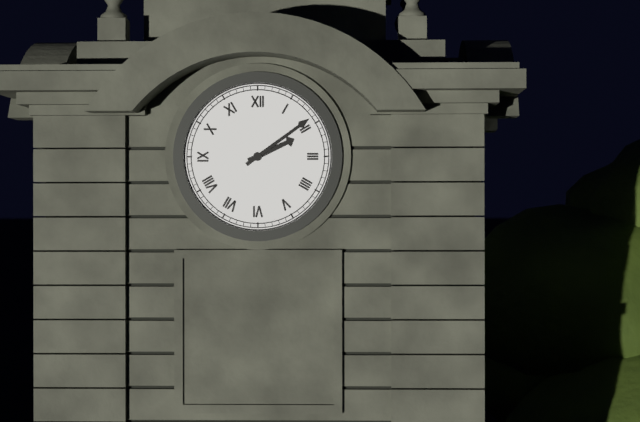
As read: 2.09
